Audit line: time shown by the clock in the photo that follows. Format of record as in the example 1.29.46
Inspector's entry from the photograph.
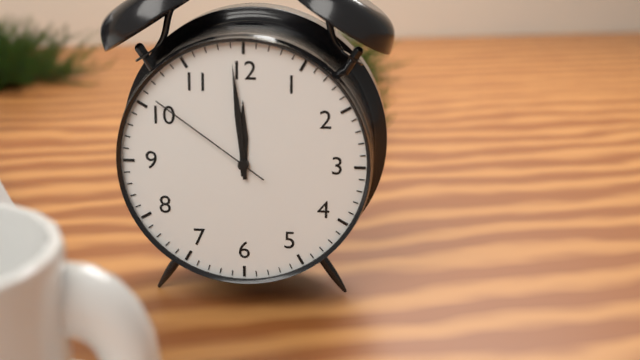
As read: 11.59.51
